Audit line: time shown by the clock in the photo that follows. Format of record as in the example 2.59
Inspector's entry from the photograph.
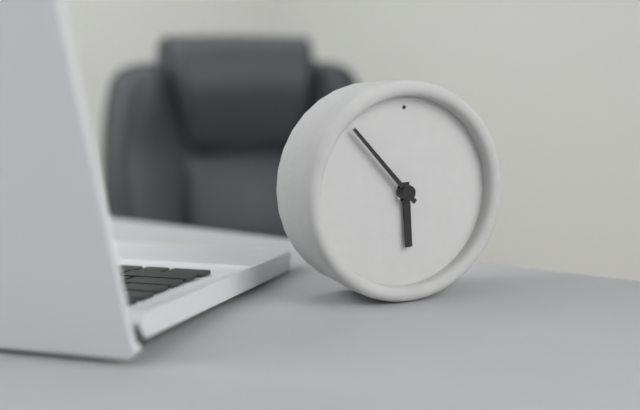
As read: 5.53
